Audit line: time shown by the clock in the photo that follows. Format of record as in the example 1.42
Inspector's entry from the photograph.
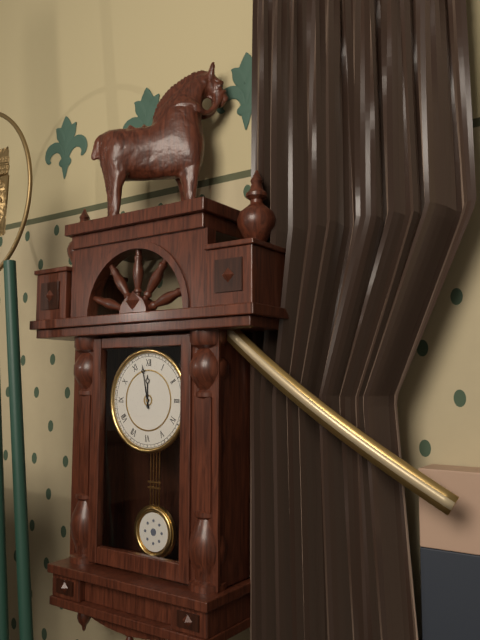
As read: 11.58
